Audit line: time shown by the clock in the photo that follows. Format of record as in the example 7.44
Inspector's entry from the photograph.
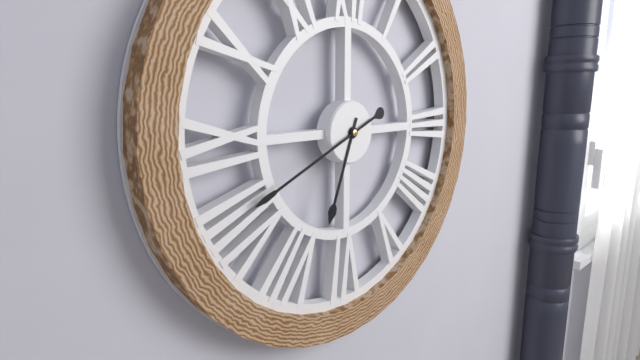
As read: 6.41
